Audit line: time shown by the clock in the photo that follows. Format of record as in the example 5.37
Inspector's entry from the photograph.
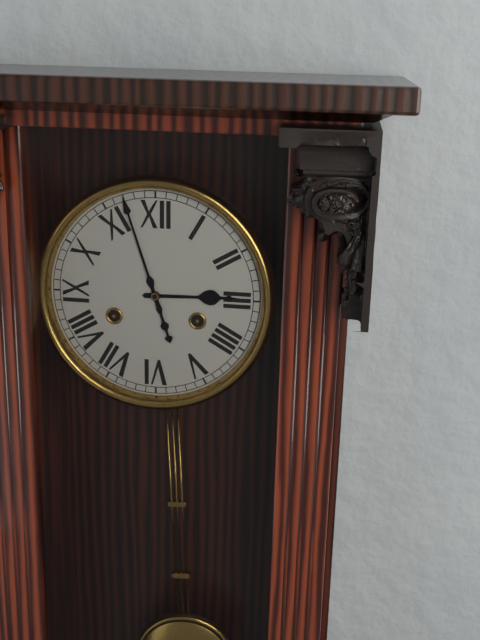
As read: 2.57
